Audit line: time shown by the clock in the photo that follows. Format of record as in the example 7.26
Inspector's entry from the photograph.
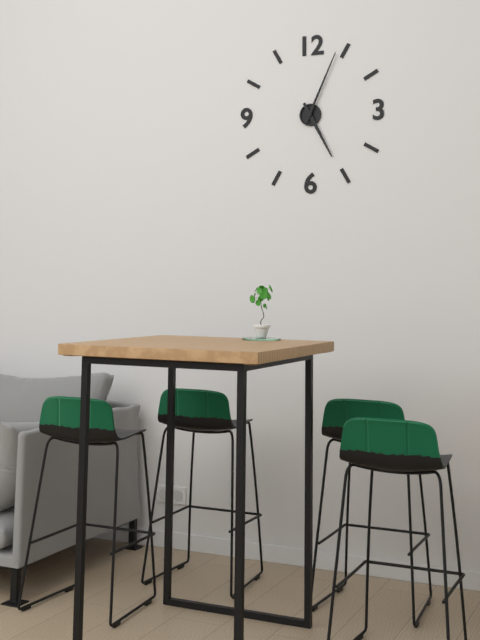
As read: 5.04
